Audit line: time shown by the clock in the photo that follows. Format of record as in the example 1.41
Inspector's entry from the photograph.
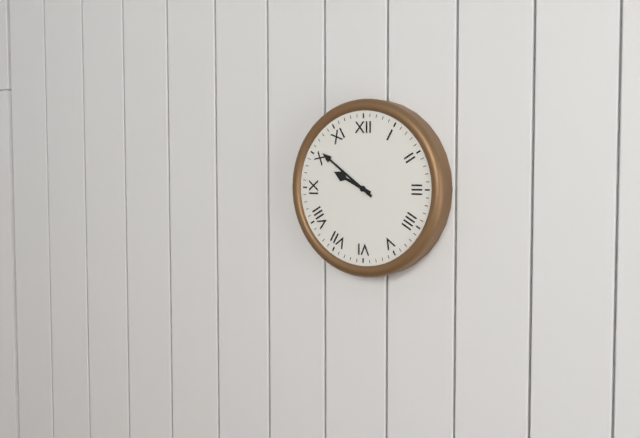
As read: 9.51
